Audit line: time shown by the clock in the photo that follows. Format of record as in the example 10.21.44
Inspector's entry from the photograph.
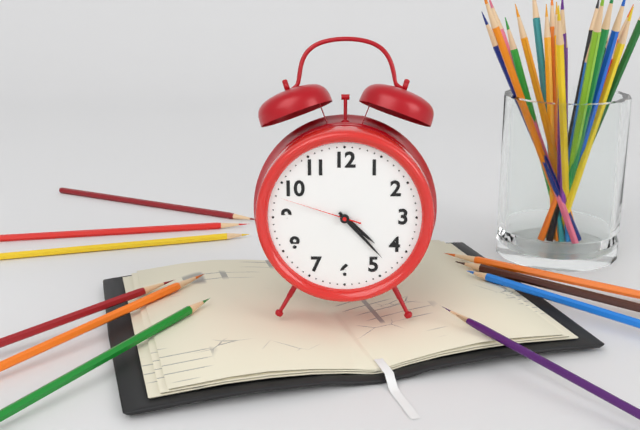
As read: 4.23.48
